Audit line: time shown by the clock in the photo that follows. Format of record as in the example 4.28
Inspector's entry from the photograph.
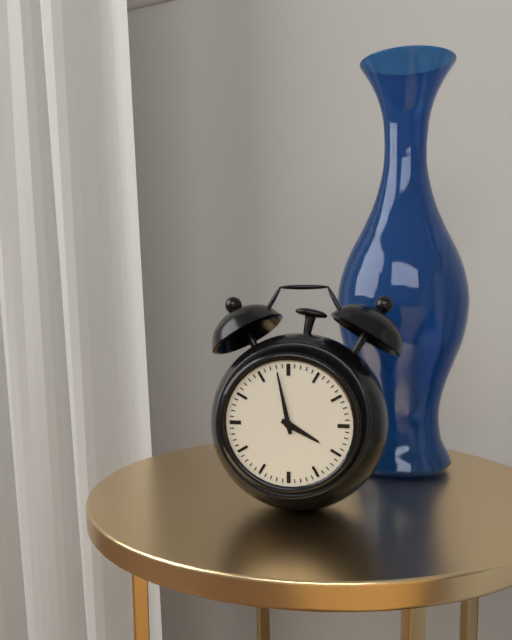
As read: 3.58
